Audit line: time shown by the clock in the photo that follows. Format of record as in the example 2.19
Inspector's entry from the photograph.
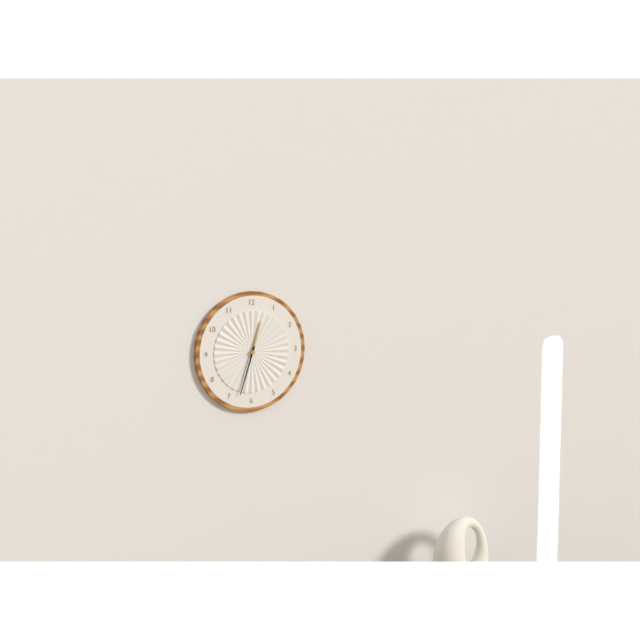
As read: 12.33
